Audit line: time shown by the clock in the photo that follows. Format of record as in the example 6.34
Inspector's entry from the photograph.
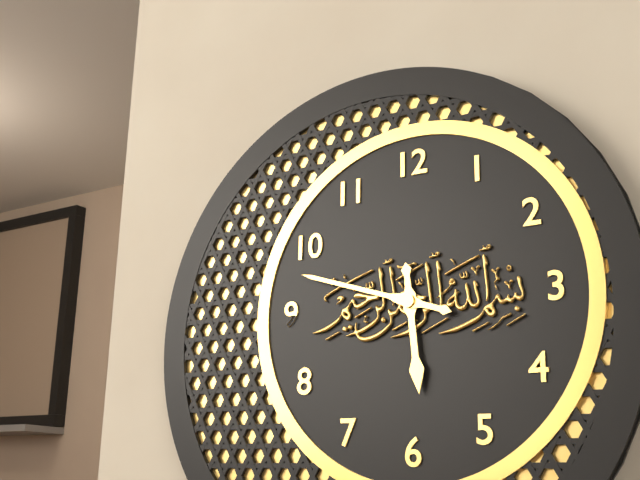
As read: 5.48
